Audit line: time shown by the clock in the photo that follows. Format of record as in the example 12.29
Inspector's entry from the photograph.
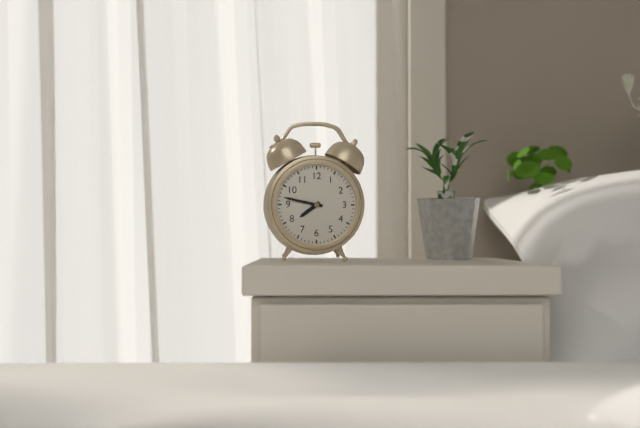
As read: 7.47
